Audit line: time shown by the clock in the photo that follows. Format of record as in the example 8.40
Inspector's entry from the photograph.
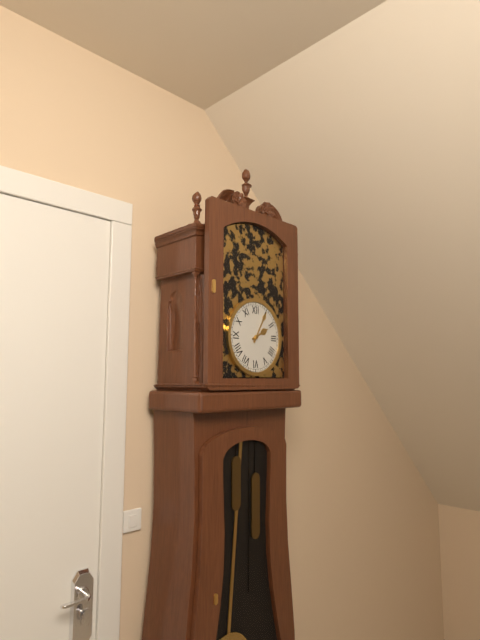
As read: 2.05
